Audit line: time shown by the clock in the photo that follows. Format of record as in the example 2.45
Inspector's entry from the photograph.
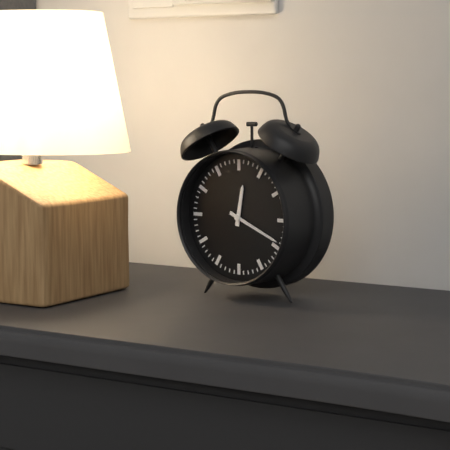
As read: 12.19
